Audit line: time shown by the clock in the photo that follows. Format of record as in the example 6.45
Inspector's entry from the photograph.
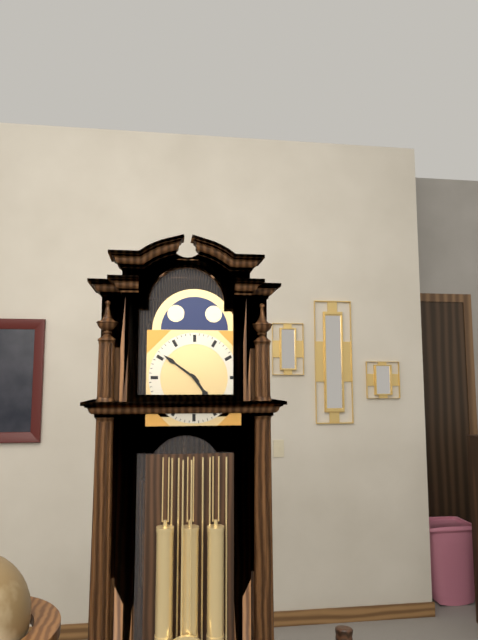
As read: 4.51
